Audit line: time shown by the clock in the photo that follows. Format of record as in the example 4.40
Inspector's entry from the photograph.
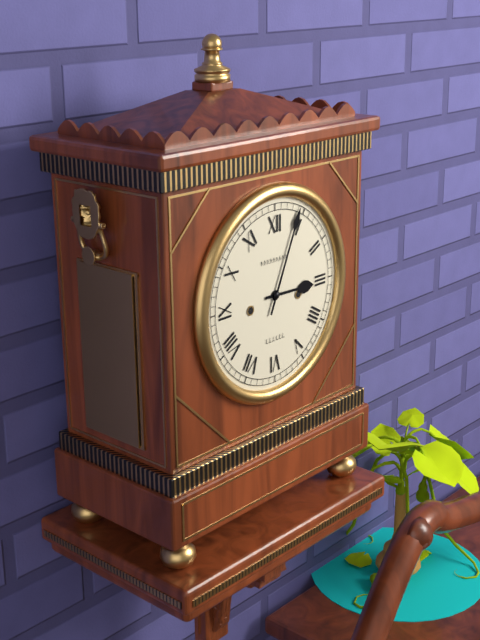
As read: 3.04
